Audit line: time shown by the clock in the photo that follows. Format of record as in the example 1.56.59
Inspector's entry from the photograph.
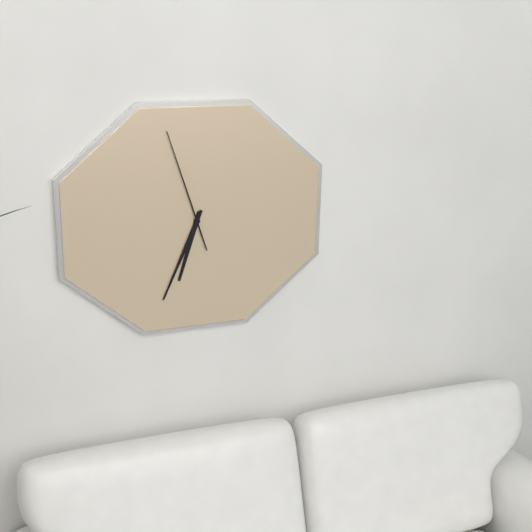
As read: 6.34.57
